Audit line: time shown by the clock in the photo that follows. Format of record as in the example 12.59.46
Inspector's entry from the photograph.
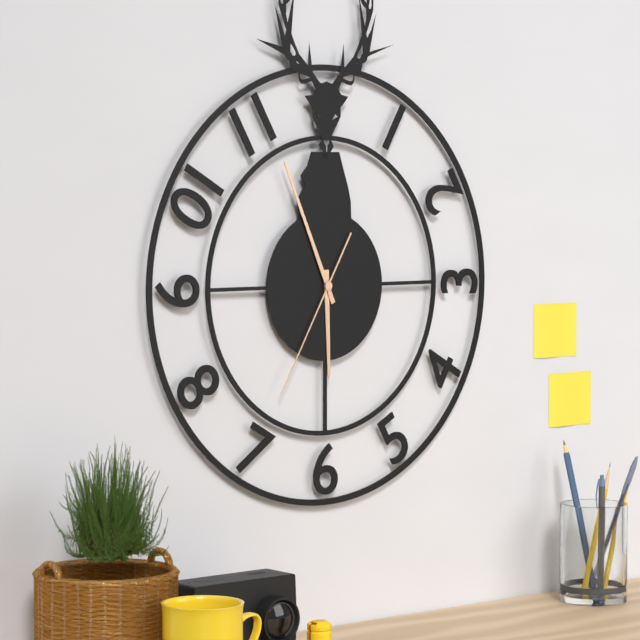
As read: 5.56.35
